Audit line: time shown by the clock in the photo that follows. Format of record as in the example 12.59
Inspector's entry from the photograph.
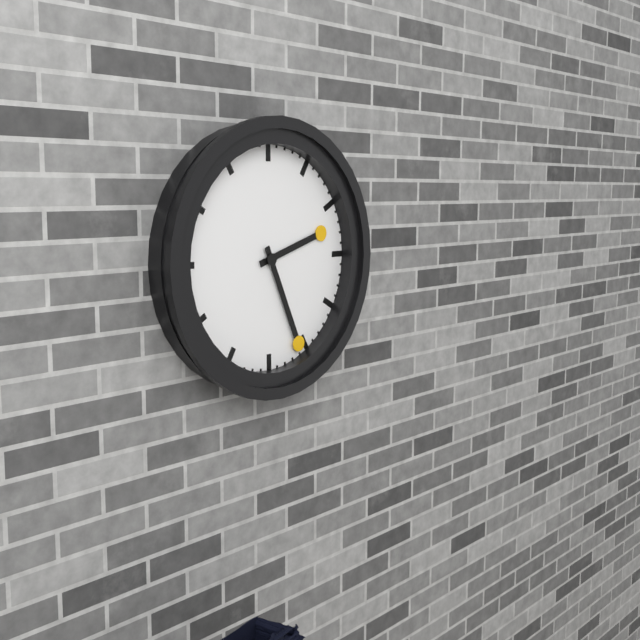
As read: 2.26
